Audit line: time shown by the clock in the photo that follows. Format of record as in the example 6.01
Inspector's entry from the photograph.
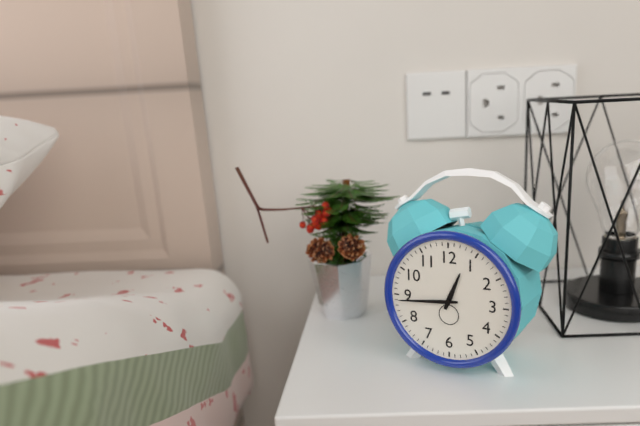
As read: 12.44
